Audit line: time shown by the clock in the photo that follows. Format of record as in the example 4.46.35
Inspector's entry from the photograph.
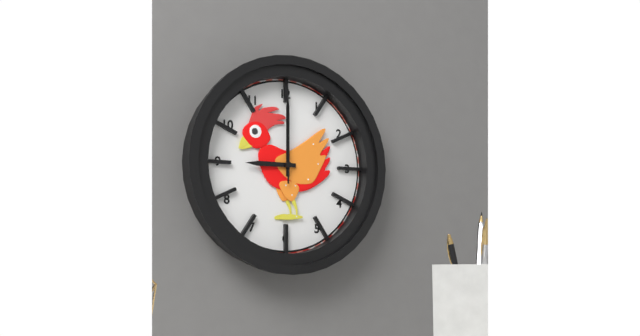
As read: 9.00.00
